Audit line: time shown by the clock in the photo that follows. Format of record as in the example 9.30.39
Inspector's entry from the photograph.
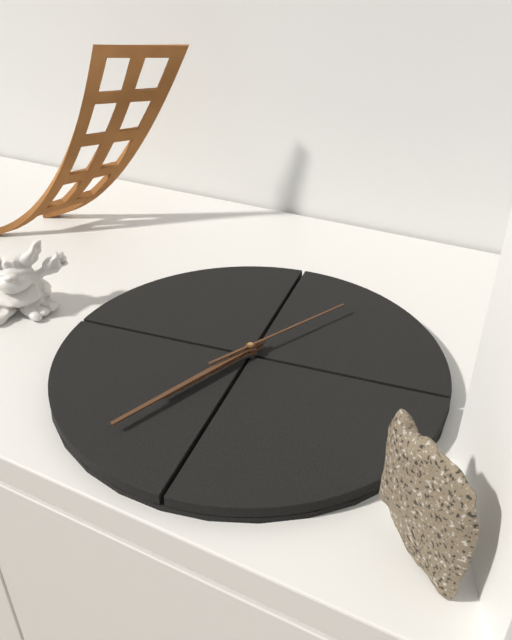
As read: 7.38.09
